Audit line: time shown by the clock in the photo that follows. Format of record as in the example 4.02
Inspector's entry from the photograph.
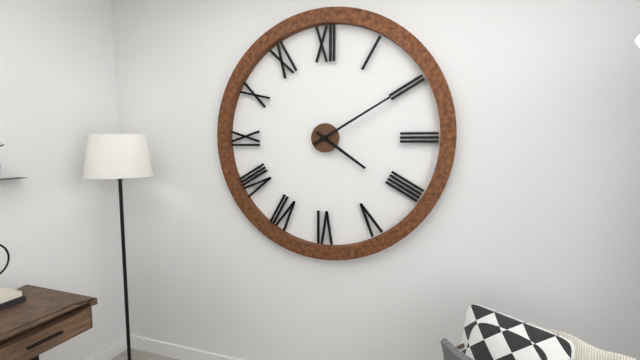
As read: 4.10
